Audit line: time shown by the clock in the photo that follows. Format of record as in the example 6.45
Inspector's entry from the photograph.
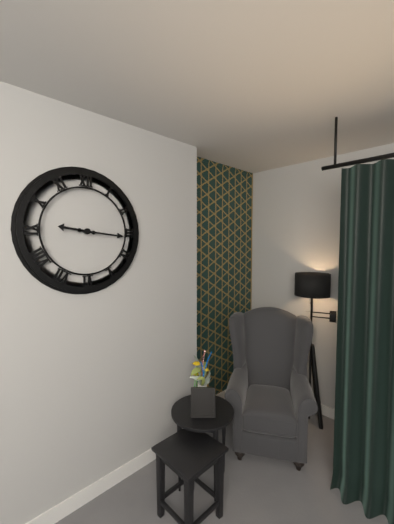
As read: 9.16
